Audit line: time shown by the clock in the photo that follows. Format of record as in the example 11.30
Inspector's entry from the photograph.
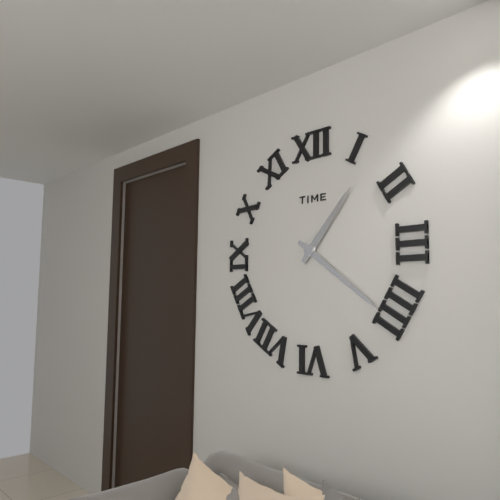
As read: 1.21
